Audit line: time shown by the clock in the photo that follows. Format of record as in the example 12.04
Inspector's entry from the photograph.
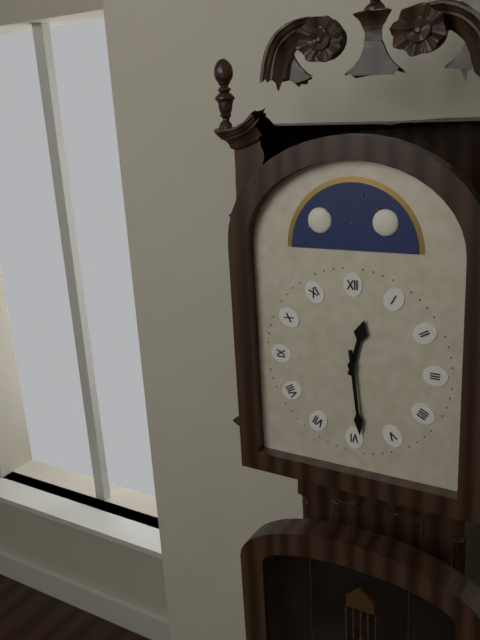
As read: 12.29
